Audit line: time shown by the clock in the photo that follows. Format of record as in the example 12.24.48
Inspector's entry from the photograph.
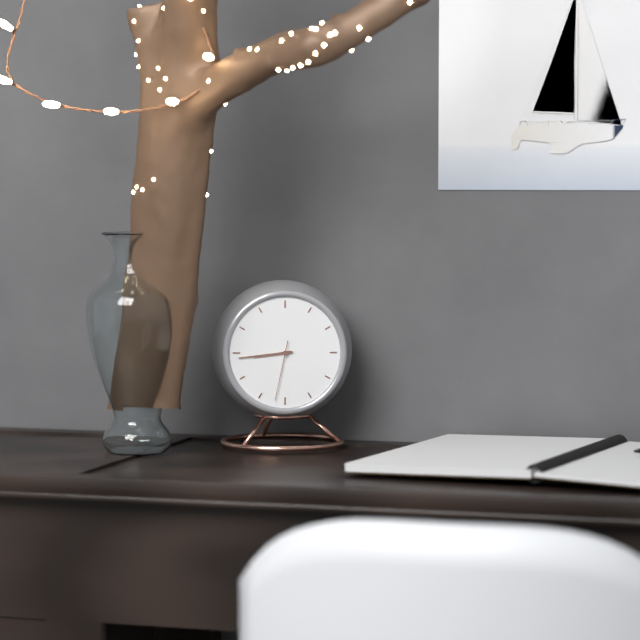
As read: 8.44.32
